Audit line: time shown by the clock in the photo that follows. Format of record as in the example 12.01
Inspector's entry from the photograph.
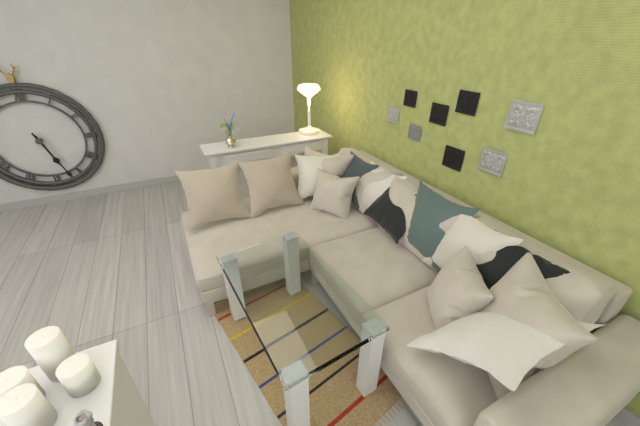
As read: 5.27
